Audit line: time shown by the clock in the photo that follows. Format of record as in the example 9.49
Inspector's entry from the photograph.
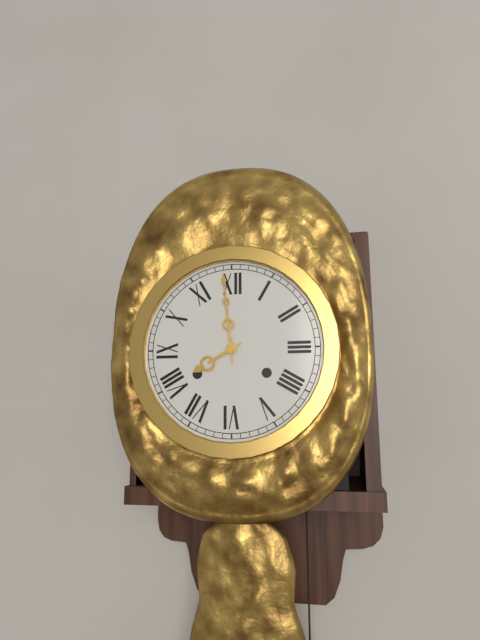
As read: 7.59
